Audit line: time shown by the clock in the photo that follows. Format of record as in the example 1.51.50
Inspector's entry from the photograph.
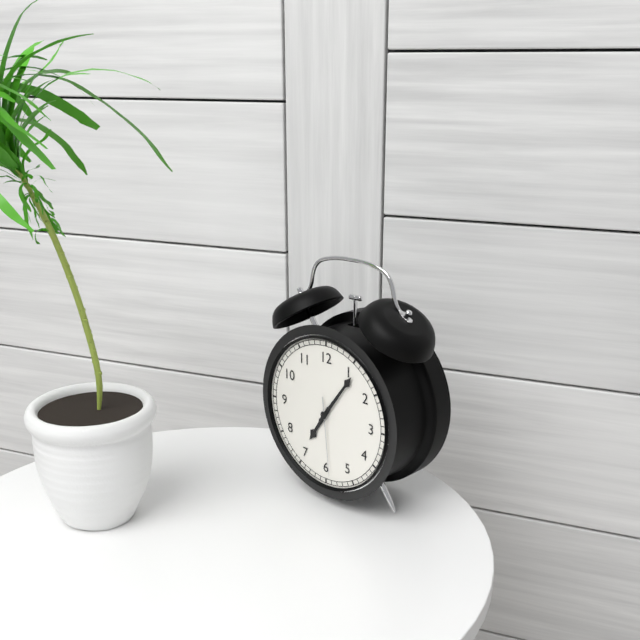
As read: 7.06.29
